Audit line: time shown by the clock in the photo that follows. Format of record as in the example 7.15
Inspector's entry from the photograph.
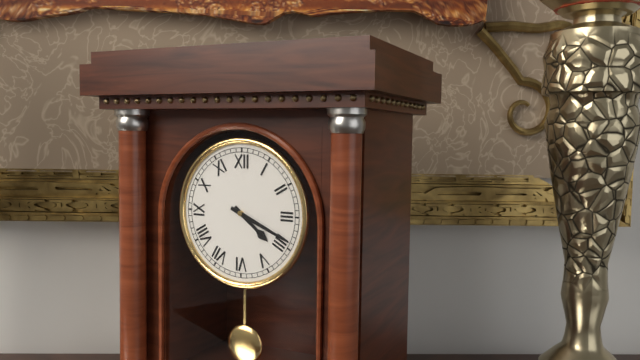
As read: 4.19
